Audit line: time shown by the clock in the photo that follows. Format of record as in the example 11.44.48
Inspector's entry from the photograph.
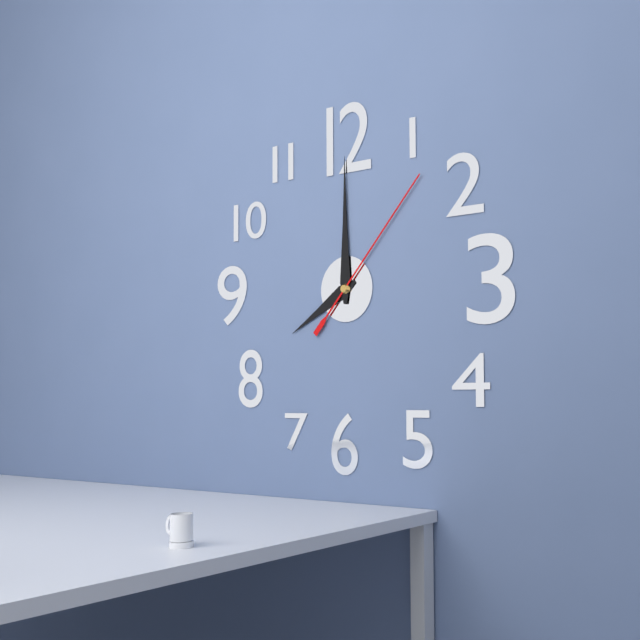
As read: 8.00.07
